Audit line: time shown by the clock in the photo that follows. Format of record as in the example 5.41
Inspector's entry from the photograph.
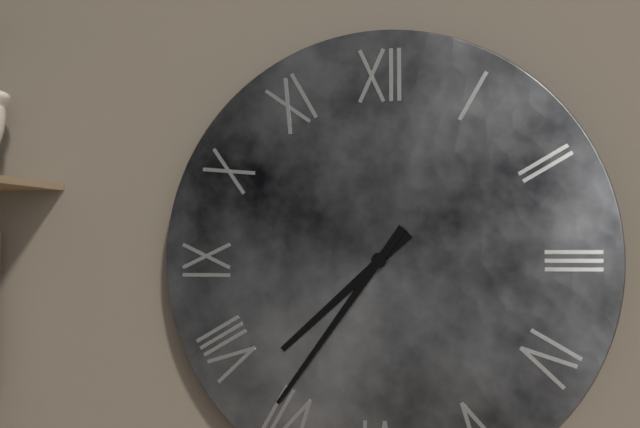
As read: 7.36
